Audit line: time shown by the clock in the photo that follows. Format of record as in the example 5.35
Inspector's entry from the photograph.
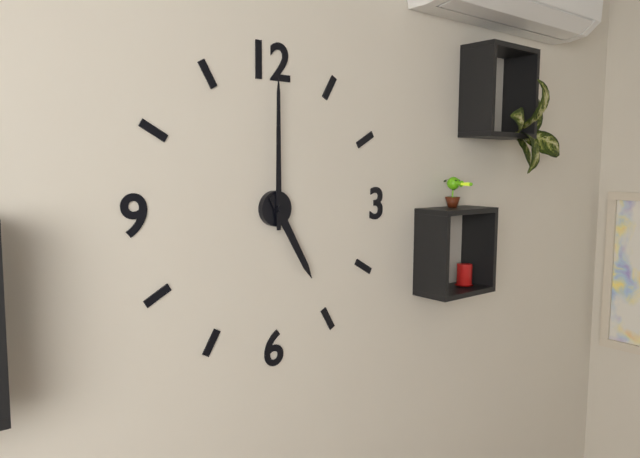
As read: 5.00
